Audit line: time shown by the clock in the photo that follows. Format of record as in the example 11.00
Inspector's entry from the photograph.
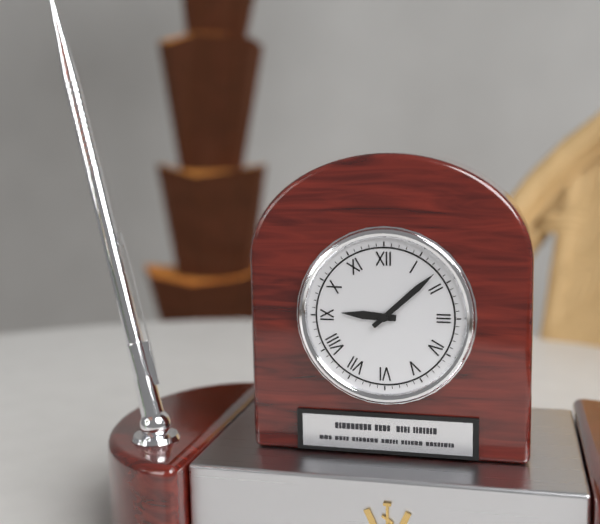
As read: 9.08
